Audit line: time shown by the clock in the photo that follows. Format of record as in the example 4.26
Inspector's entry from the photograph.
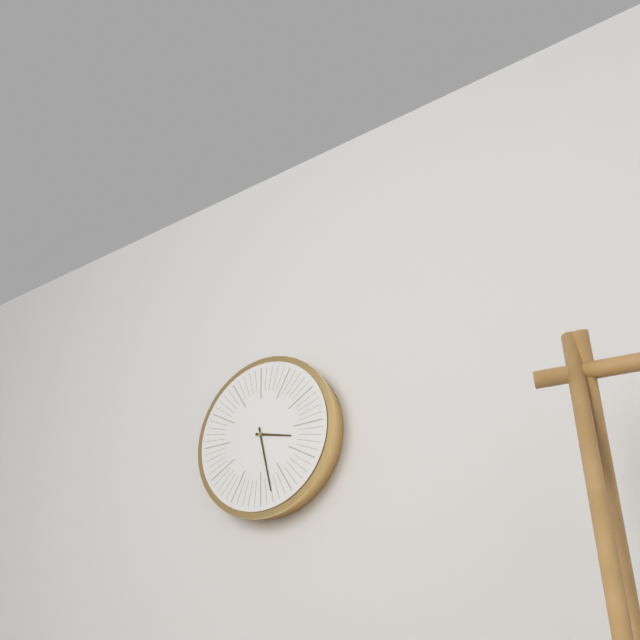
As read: 3.28
